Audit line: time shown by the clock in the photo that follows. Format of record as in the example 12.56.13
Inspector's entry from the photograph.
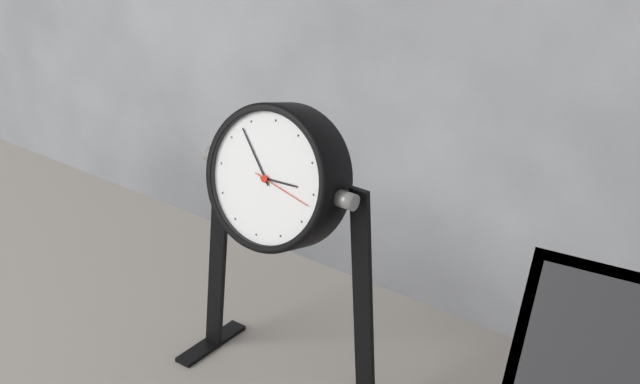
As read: 2.53.17
